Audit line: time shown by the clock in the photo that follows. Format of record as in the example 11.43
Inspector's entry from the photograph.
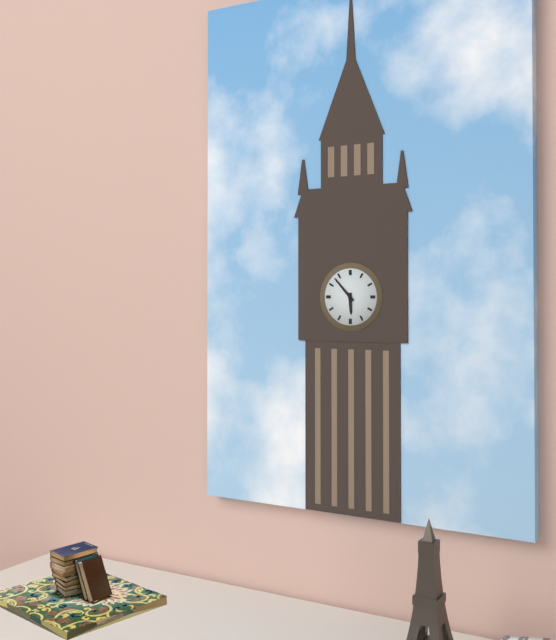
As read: 5.53
